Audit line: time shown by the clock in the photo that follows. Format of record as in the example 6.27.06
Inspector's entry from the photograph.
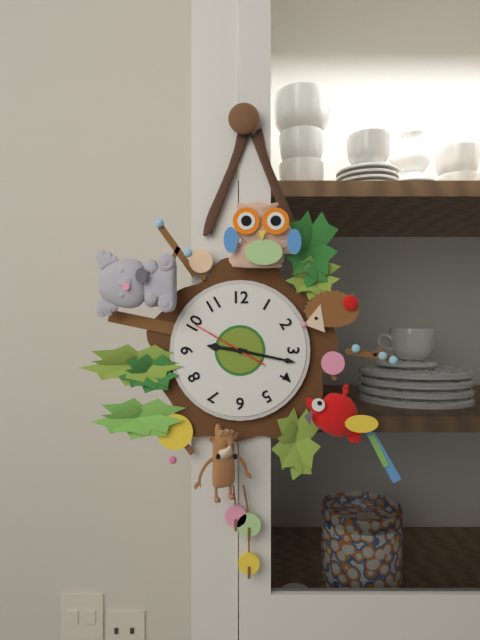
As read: 9.17.50
